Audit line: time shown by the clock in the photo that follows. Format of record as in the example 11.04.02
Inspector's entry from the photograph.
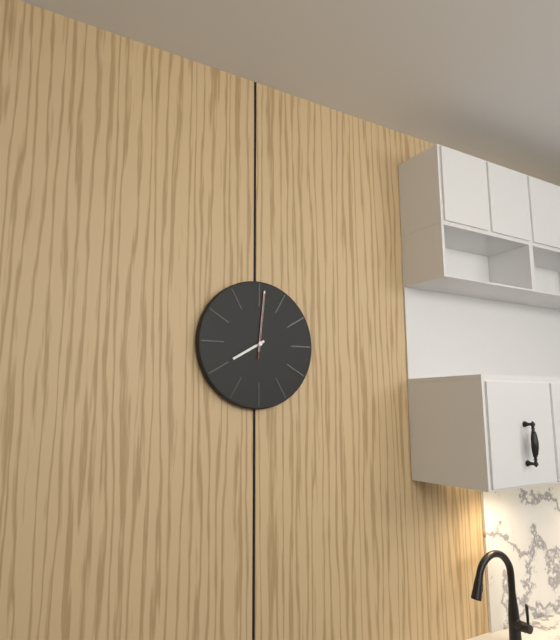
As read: 8.01.01
